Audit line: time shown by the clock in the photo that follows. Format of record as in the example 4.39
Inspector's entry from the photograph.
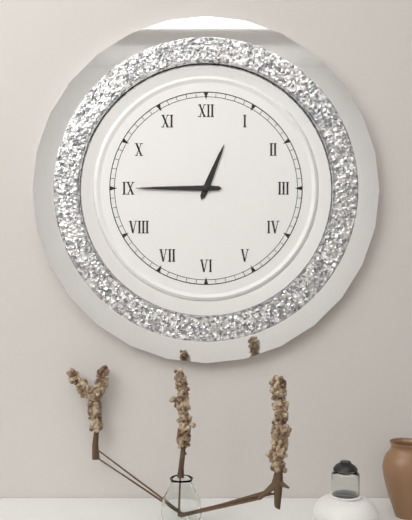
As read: 12.45
